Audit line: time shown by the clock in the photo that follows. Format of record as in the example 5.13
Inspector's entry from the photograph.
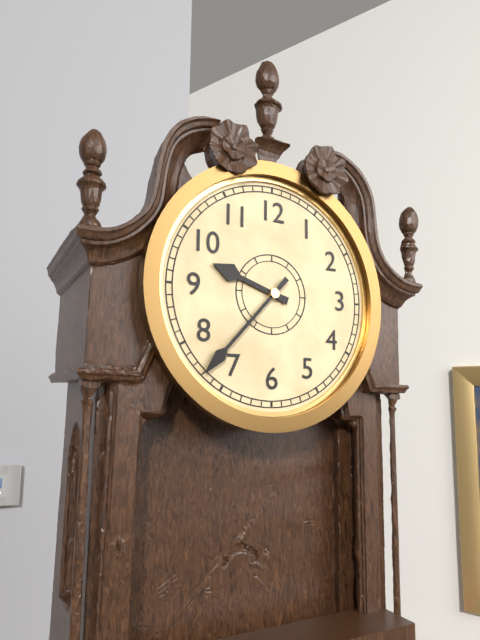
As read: 9.37
